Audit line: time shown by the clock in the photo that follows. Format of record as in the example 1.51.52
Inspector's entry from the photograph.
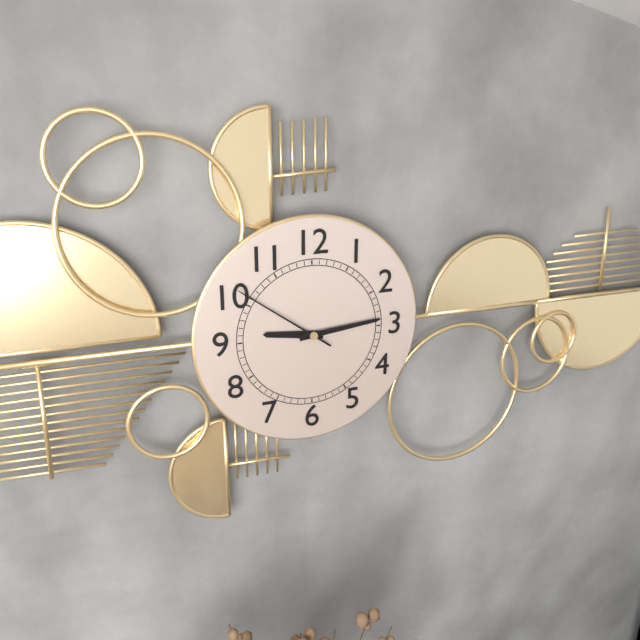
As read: 9.14.51
